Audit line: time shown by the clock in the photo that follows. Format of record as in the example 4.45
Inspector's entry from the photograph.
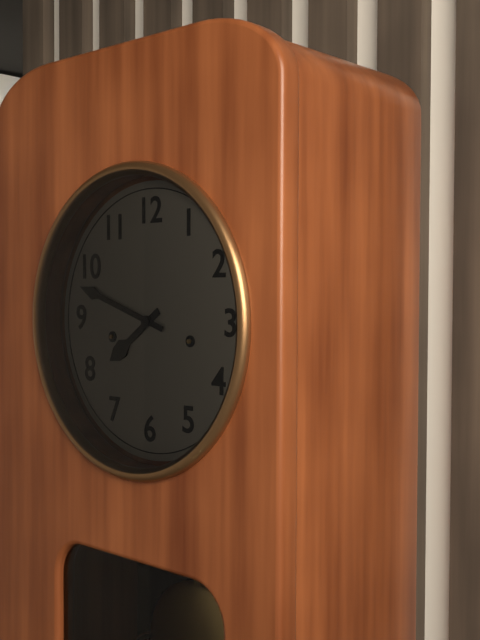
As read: 7.48
